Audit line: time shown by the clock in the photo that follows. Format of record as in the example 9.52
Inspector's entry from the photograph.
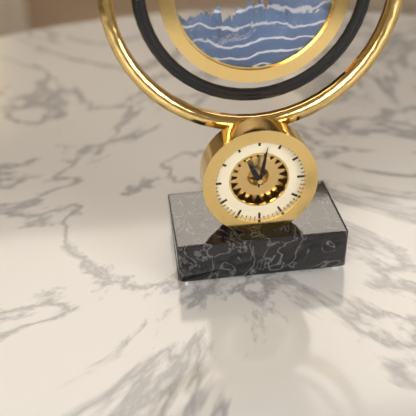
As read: 11.02
